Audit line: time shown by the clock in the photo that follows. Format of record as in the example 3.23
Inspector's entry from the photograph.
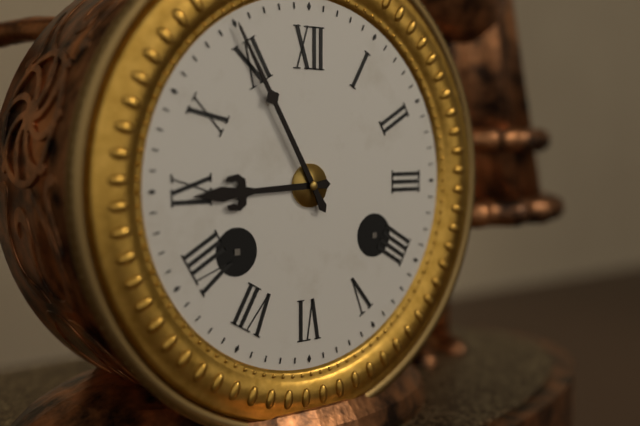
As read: 8.55
